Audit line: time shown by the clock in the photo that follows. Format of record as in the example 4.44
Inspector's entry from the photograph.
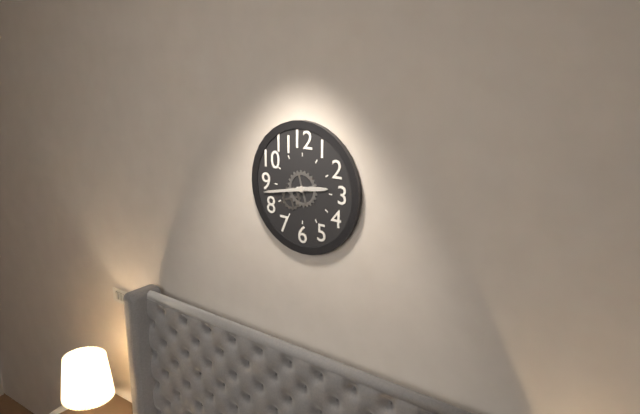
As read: 2.43
